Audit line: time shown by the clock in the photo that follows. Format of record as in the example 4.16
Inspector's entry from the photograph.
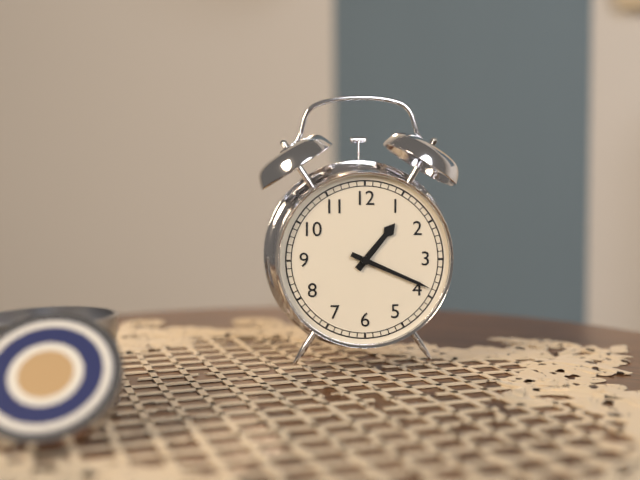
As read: 1.19
